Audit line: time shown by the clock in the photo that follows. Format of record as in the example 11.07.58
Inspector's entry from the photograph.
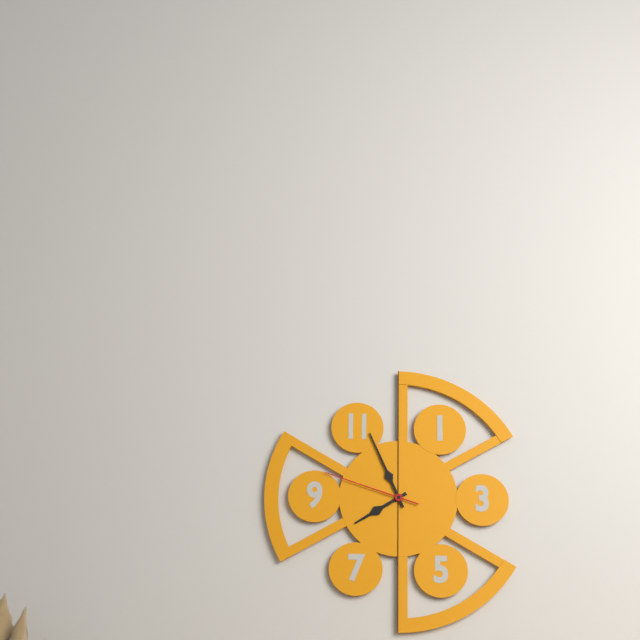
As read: 7.56.48
